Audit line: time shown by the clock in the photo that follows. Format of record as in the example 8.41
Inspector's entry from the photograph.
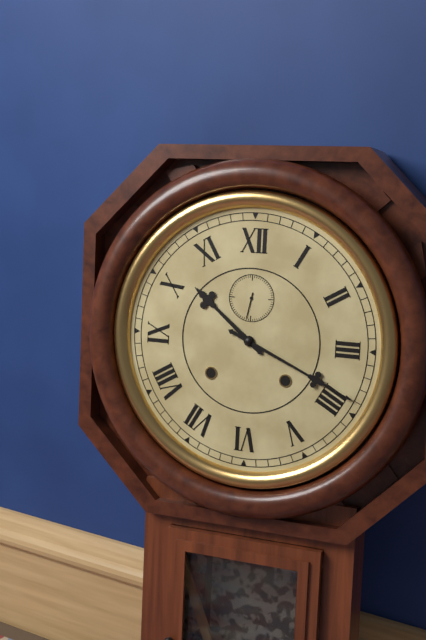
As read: 10.19
